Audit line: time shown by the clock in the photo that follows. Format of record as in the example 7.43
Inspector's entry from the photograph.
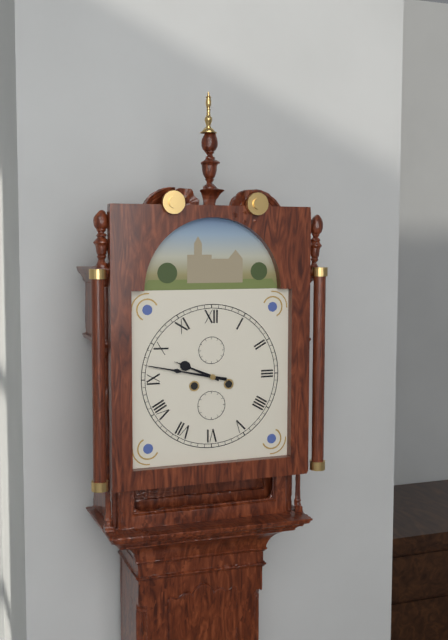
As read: 9.47
